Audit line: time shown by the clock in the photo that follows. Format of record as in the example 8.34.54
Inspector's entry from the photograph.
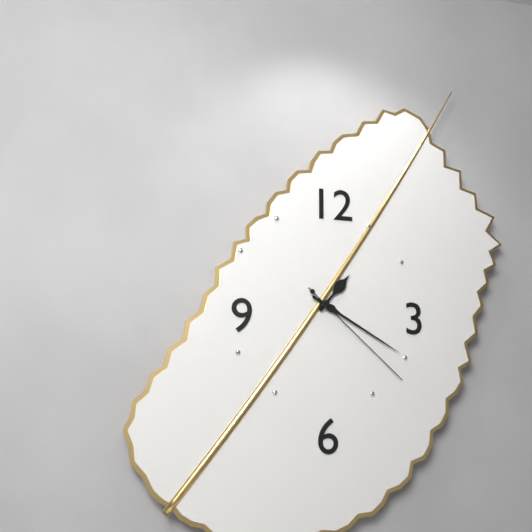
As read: 1.20.22
